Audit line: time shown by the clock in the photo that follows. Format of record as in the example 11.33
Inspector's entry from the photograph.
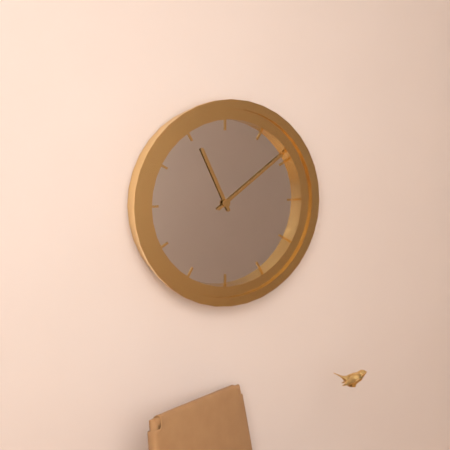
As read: 11.09
